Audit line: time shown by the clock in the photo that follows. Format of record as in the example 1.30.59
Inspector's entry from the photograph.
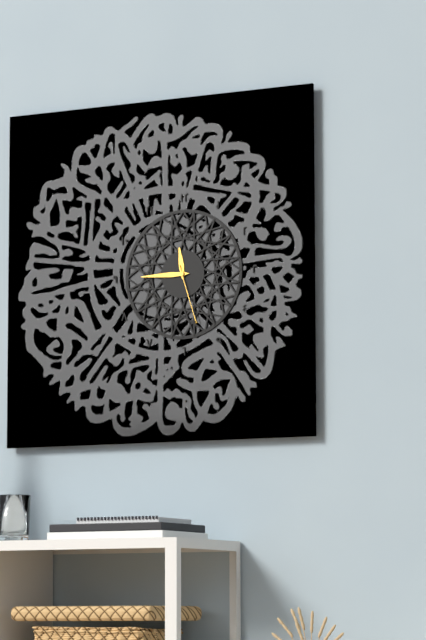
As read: 11.45.27
